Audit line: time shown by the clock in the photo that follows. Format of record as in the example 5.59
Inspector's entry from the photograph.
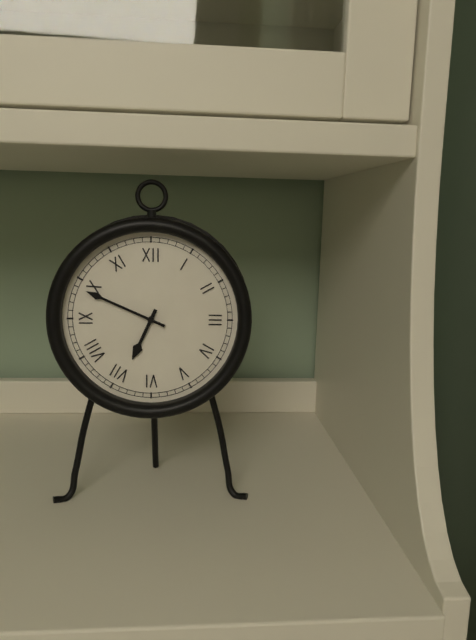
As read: 6.49
